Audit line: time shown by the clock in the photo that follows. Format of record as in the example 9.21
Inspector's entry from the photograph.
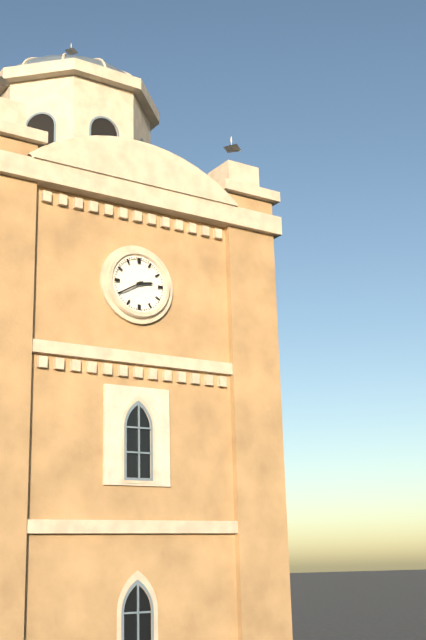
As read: 2.40
